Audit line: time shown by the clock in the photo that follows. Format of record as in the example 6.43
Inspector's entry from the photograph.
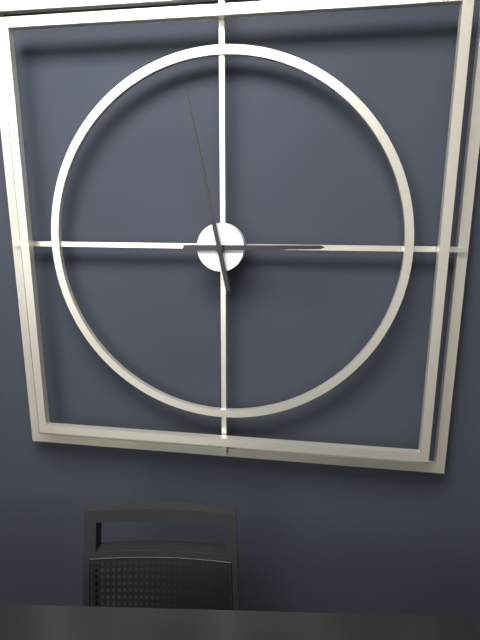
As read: 2.58
